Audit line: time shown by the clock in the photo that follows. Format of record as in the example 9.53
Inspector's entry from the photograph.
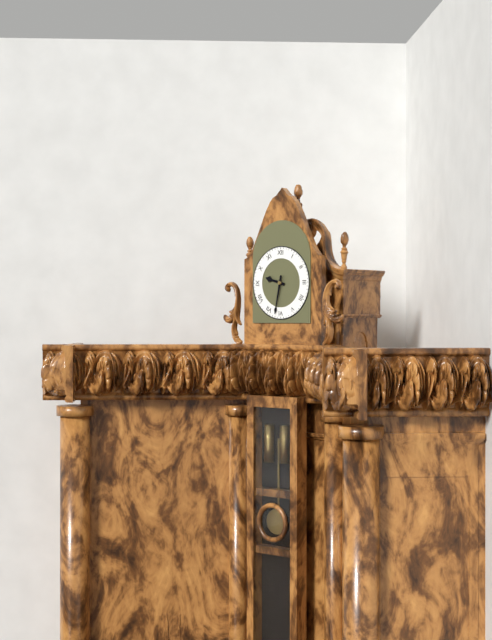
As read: 9.32
